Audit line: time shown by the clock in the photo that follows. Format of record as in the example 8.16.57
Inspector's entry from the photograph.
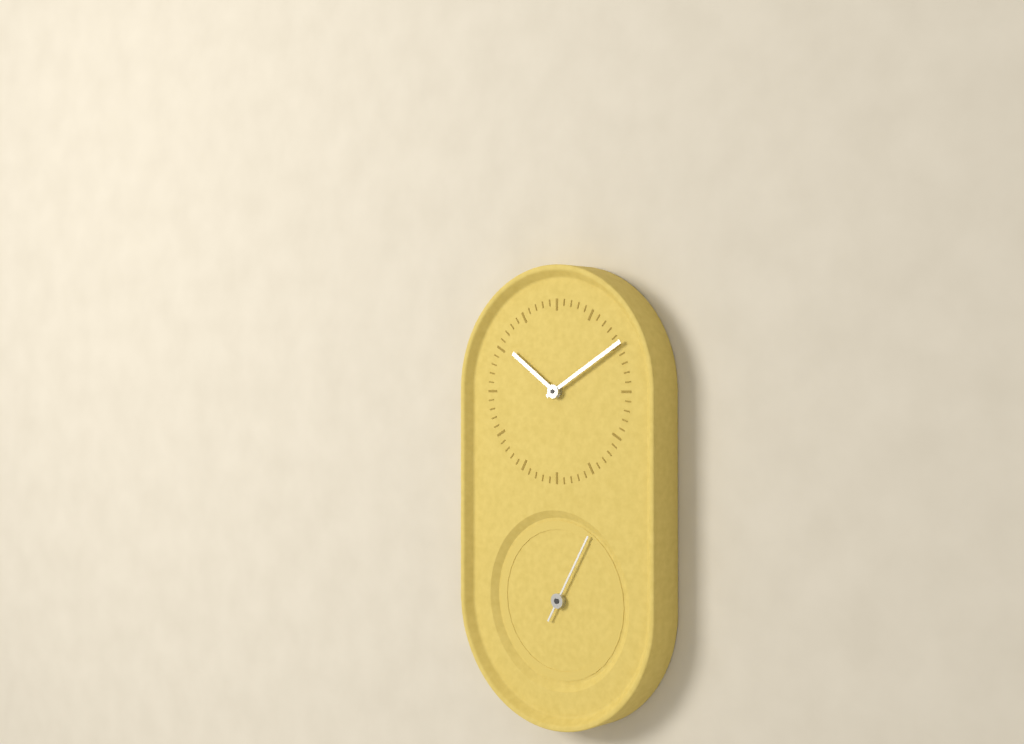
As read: 10.10.05
